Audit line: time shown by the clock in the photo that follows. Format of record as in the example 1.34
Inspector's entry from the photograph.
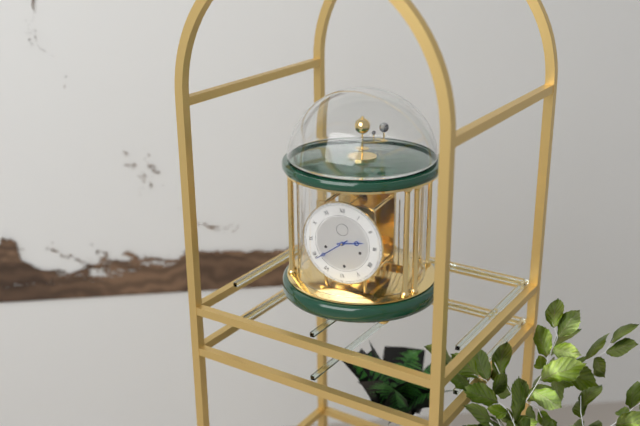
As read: 2.39
